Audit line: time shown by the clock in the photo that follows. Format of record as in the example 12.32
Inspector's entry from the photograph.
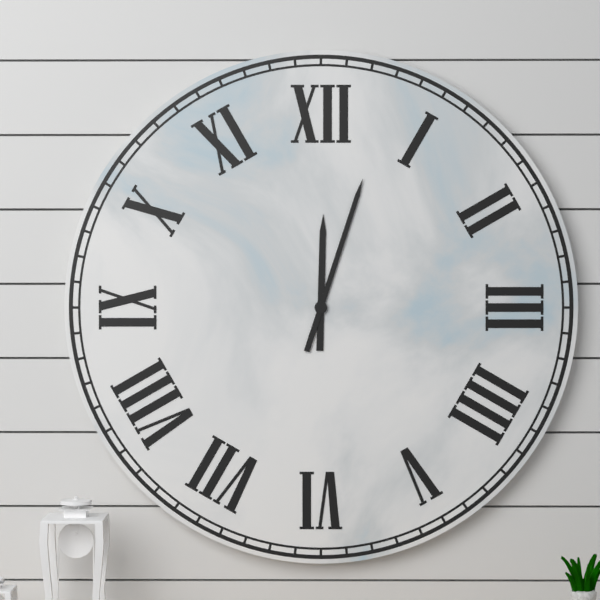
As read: 12.03
